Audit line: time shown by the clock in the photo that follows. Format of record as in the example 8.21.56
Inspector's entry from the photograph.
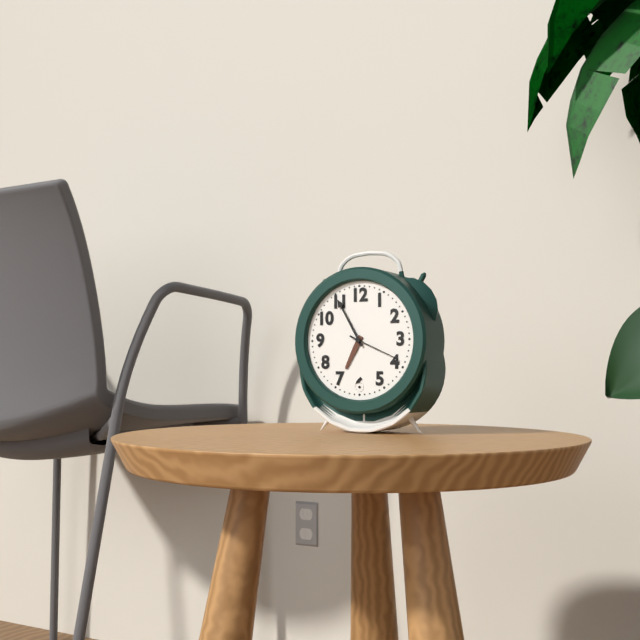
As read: 6.55.19
